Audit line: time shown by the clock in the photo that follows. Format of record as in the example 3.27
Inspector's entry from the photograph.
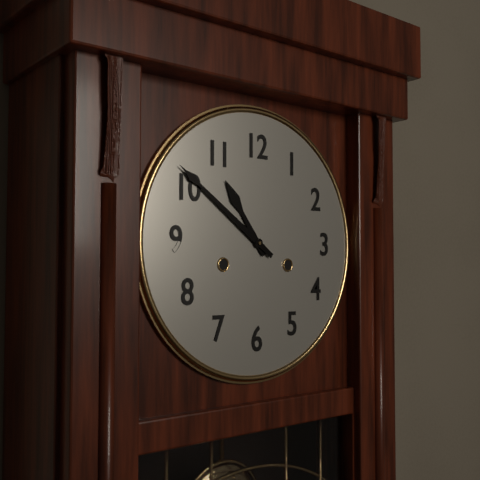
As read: 10.51
